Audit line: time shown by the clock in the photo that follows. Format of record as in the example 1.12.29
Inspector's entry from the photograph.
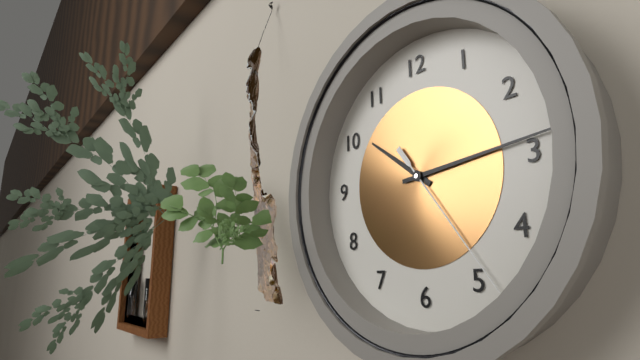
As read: 10.14.24
